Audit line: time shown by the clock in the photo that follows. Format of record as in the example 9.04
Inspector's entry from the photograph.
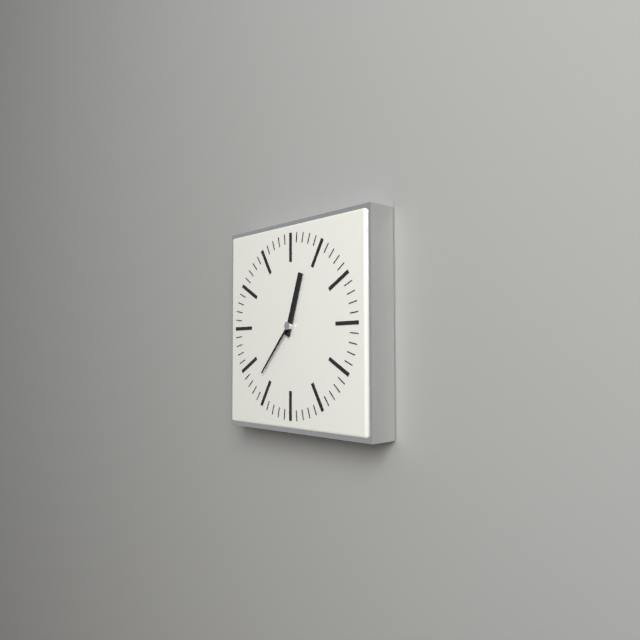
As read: 12.37
